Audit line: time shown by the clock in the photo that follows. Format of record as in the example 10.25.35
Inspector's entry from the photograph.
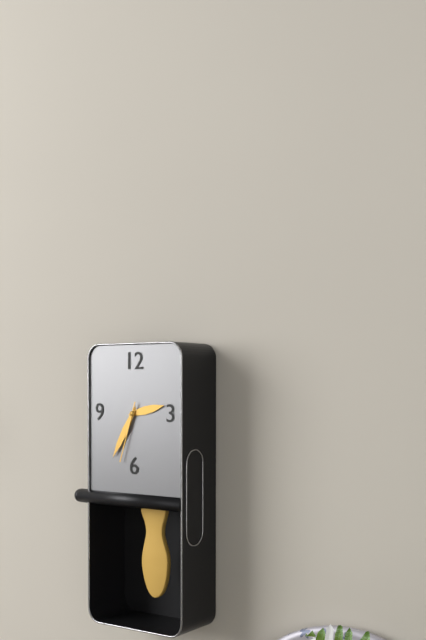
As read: 2.35.33
